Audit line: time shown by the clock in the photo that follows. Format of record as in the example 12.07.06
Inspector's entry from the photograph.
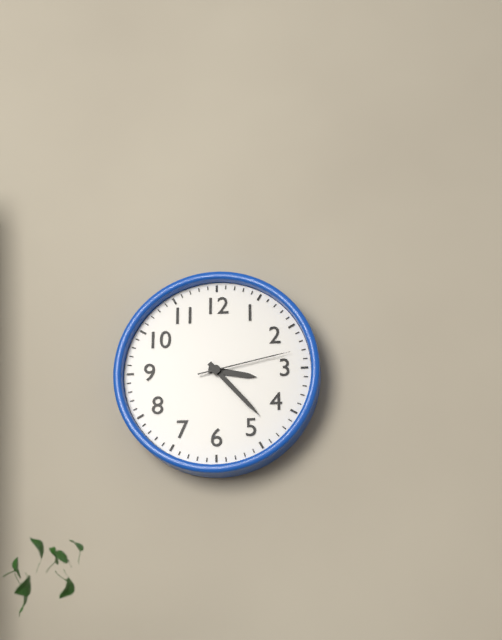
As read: 3.23.13
